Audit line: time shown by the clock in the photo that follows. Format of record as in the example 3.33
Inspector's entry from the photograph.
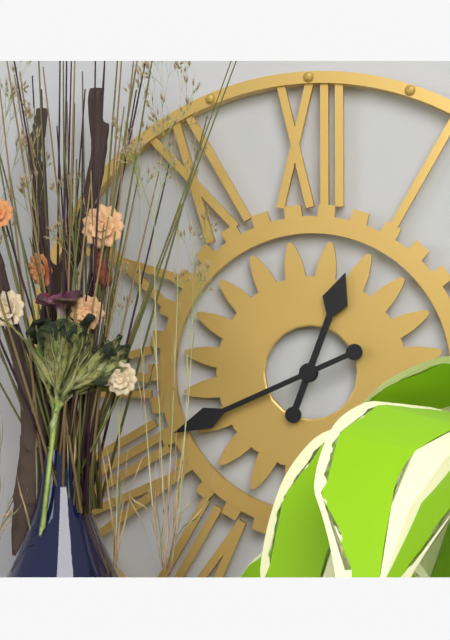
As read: 12.41
